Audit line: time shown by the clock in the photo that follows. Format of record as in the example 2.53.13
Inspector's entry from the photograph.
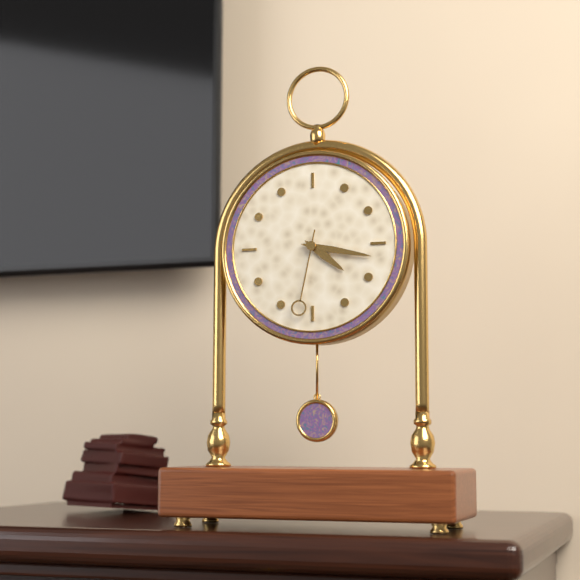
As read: 4.17.32
